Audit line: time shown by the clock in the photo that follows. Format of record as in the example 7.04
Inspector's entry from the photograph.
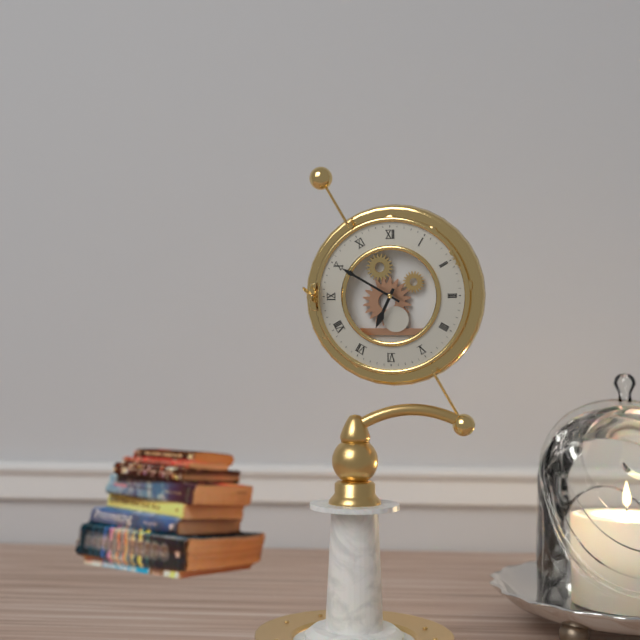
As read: 6.50
